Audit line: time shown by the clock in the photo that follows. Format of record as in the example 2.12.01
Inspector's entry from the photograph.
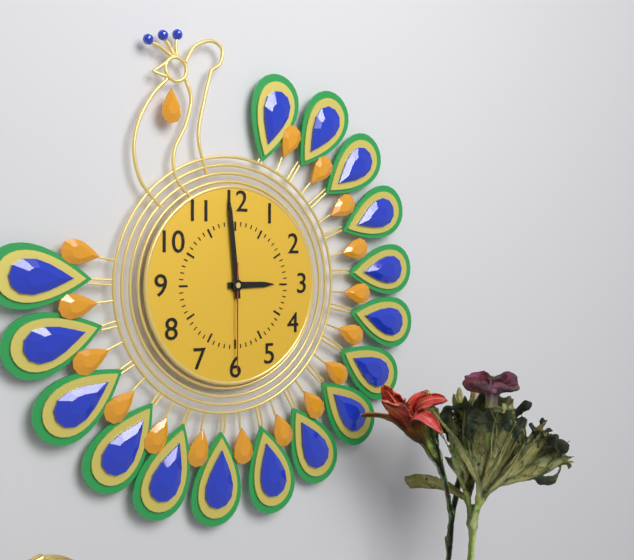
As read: 2.59.30
